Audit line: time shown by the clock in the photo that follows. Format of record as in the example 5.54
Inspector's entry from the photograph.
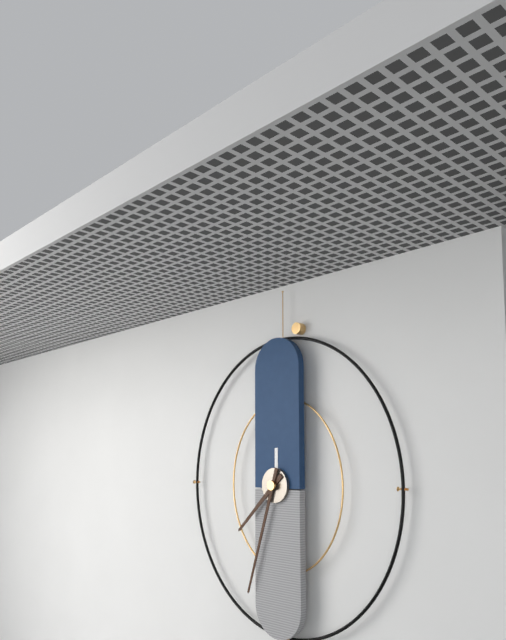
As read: 7.33
